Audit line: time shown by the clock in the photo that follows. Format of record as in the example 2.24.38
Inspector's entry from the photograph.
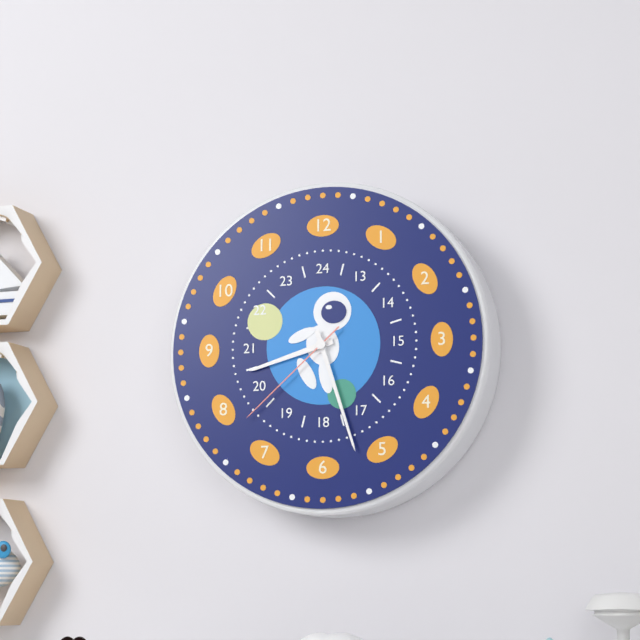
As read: 8.27.38
